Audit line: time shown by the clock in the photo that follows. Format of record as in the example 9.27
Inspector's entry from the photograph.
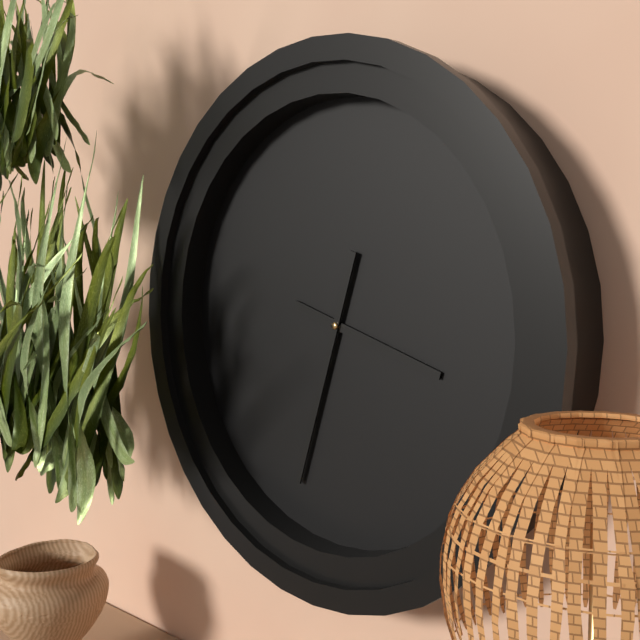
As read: 3.33
